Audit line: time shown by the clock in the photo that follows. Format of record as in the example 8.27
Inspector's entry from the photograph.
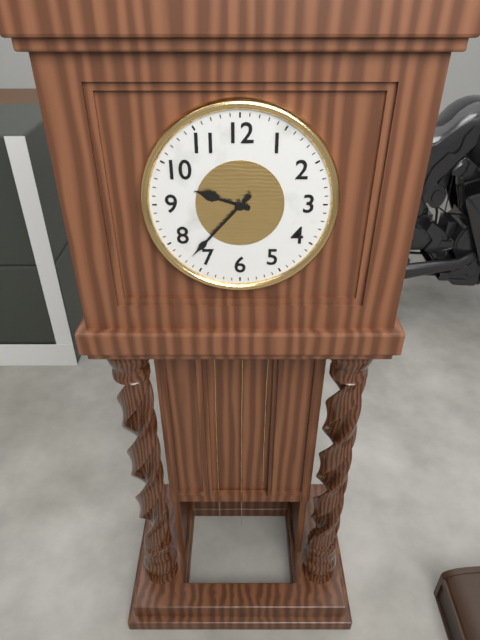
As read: 9.37
